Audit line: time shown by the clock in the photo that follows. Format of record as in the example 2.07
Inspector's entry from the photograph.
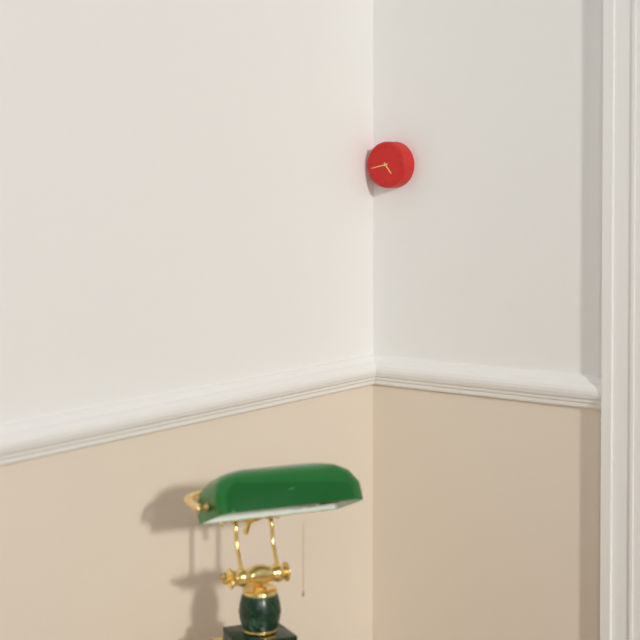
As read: 4.43
